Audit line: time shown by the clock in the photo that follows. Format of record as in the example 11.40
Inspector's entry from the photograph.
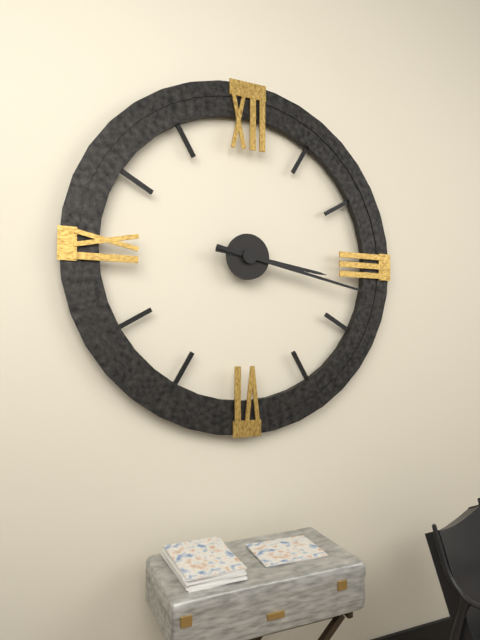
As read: 3.17
